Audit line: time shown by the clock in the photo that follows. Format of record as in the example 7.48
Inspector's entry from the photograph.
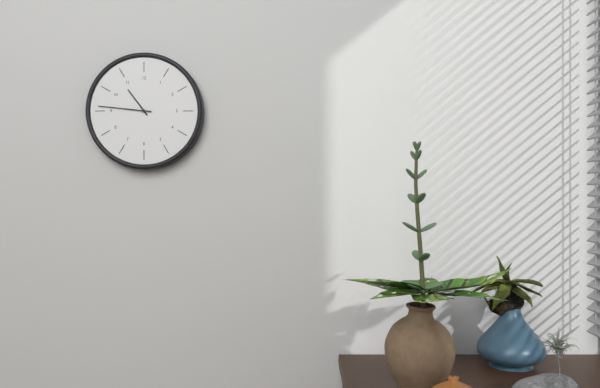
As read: 10.46
